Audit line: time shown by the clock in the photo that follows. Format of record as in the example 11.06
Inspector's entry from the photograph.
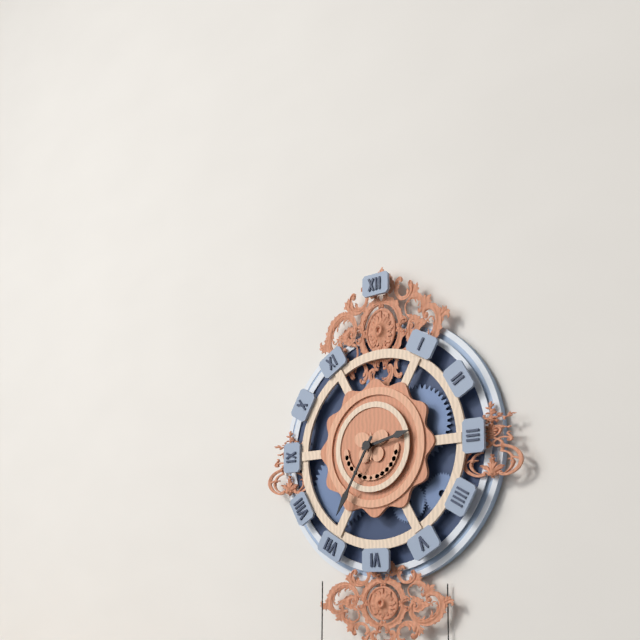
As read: 2.35
